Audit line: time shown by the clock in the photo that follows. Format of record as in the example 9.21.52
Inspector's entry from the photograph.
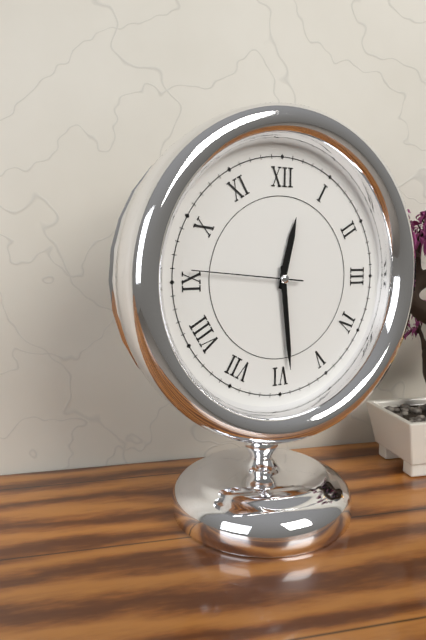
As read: 12.29.46
